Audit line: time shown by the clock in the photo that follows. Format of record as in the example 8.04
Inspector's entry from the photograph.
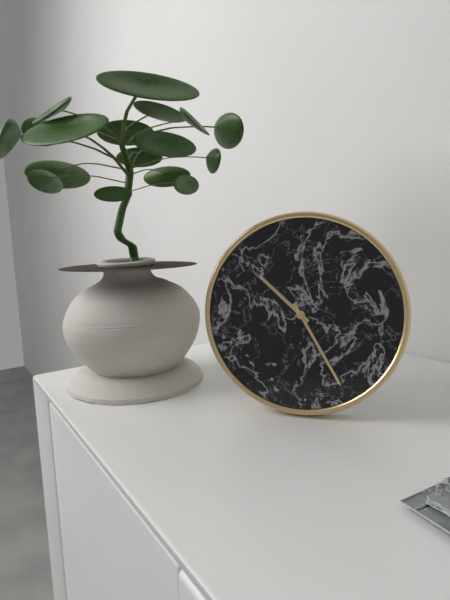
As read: 10.25
